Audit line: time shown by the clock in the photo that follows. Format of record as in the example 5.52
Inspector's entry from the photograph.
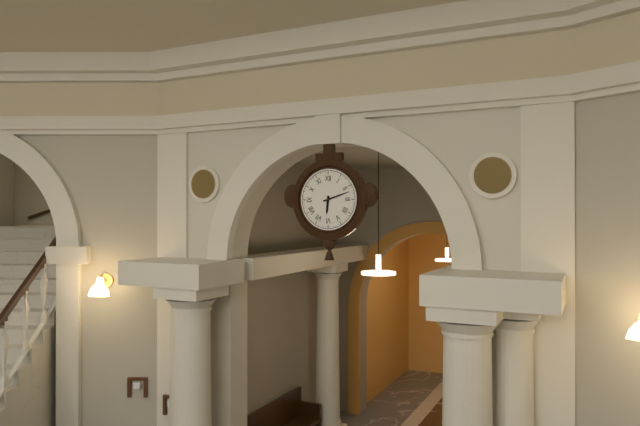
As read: 6.12
